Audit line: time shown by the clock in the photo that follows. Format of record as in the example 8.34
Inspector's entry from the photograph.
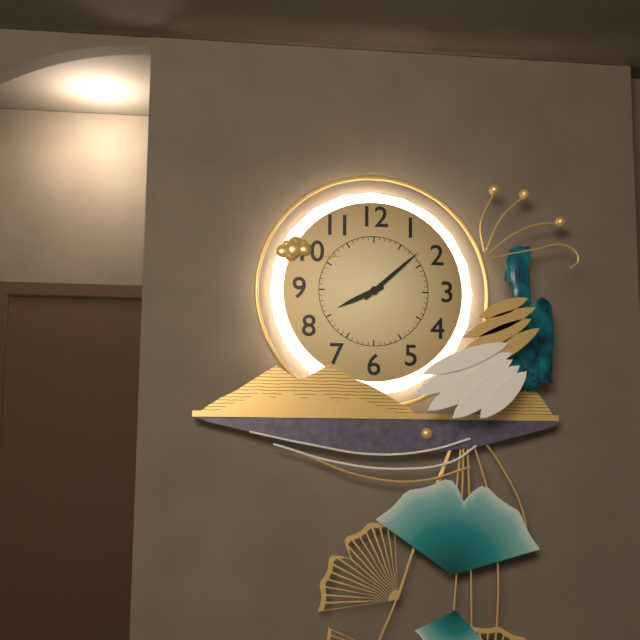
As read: 8.08
